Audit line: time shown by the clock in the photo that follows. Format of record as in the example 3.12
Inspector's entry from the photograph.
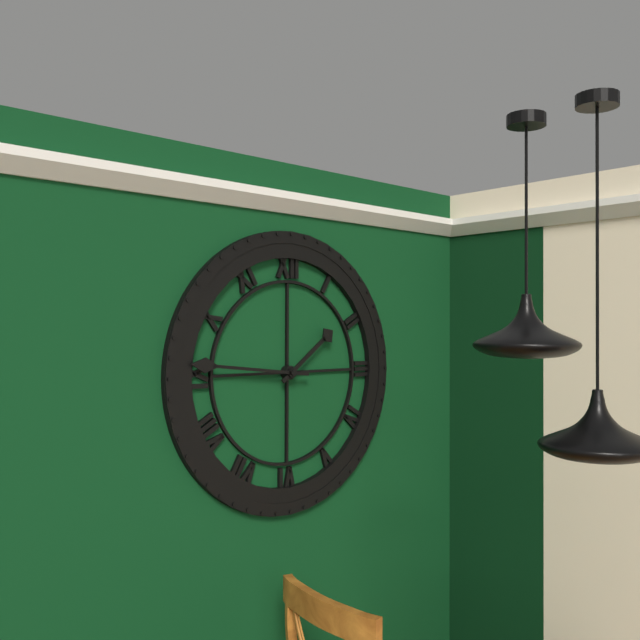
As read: 1.46
